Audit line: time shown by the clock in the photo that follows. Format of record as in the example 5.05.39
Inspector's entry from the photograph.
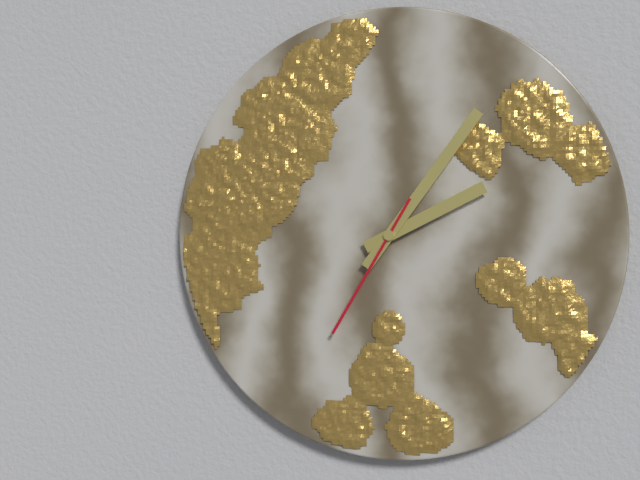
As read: 2.06.35
